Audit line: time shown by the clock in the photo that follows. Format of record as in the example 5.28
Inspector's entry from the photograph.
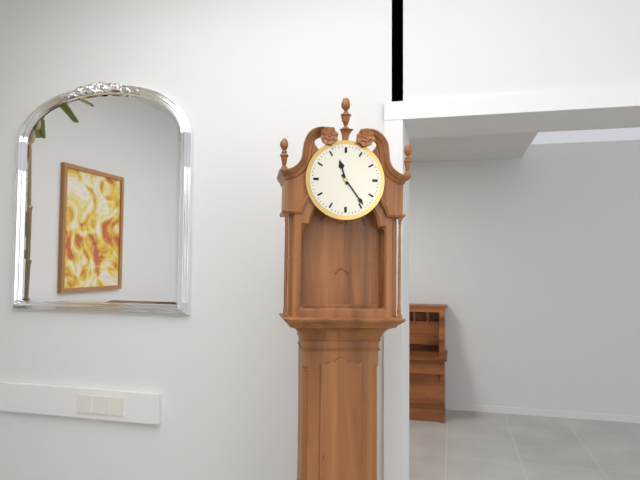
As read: 11.24
